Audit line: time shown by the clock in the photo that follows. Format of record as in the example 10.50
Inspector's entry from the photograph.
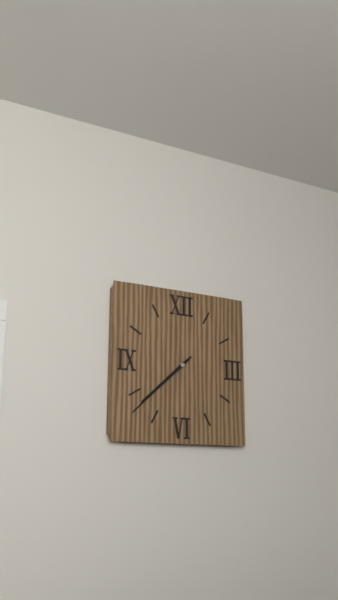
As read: 7.38
